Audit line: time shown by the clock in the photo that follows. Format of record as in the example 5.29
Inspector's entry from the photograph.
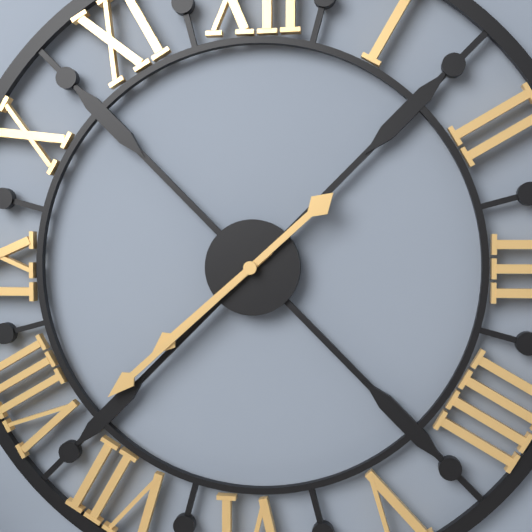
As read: 7.38
